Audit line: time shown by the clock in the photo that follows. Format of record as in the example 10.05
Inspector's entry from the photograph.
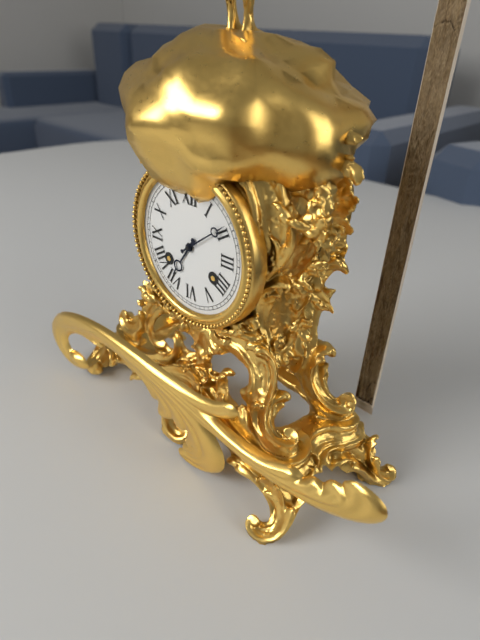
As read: 7.09
